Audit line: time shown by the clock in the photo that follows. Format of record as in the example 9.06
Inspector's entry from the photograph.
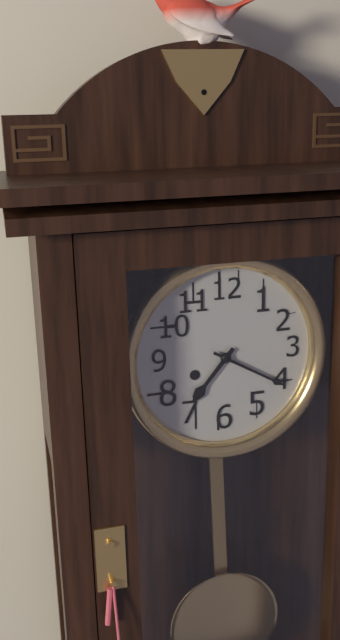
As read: 7.20
